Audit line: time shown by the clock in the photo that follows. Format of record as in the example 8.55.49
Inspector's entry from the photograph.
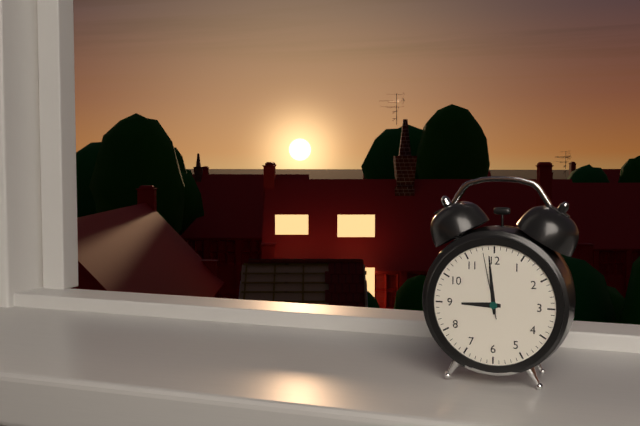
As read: 8.59.58
